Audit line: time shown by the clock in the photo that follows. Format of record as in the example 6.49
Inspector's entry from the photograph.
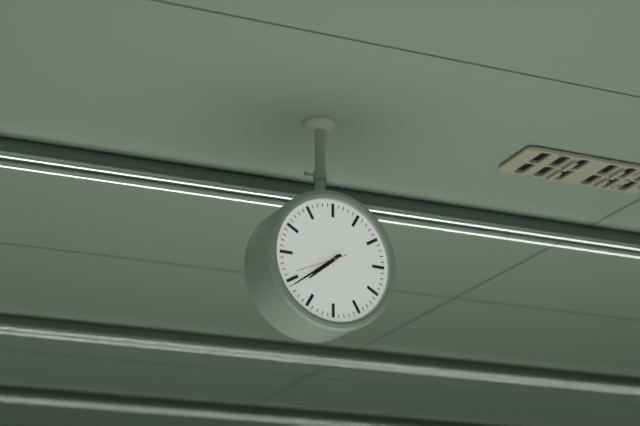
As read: 7.39
